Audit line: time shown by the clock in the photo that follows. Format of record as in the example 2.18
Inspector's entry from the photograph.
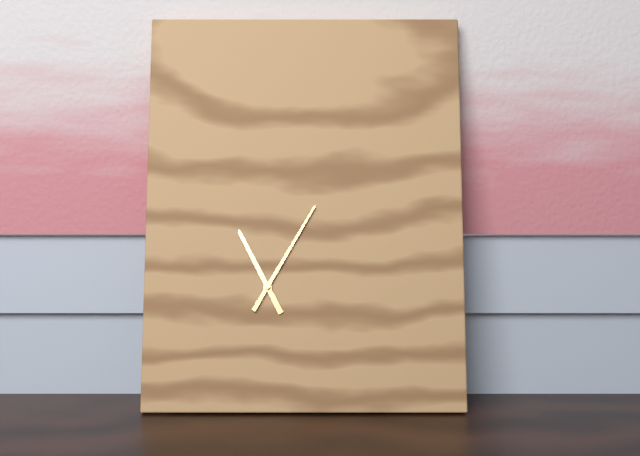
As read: 11.05
